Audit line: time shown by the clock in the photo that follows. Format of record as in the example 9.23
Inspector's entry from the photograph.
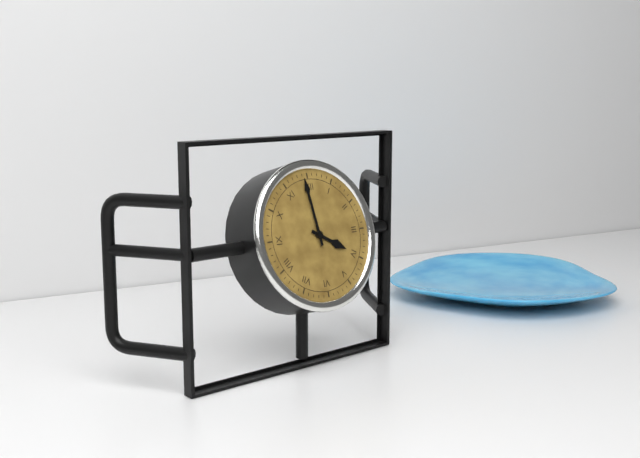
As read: 3.59
